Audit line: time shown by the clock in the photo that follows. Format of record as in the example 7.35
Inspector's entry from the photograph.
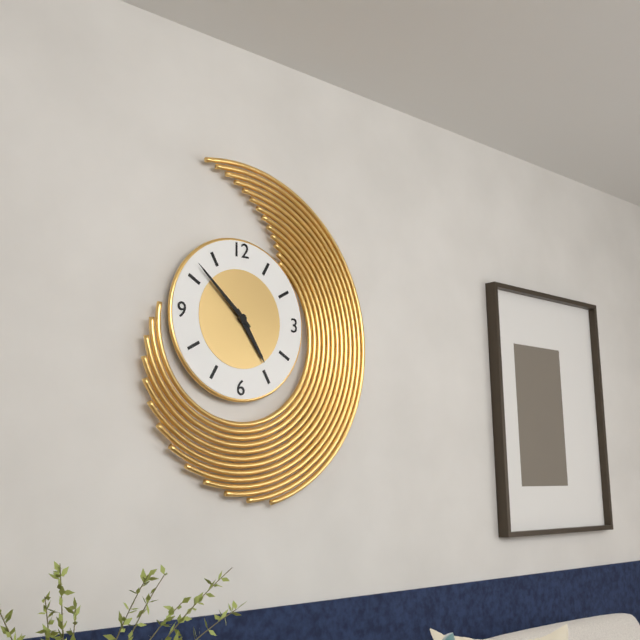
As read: 4.52
